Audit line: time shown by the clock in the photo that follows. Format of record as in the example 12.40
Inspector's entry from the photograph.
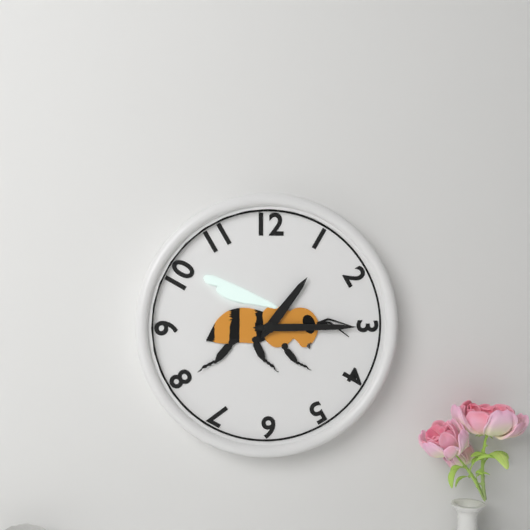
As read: 1.15
